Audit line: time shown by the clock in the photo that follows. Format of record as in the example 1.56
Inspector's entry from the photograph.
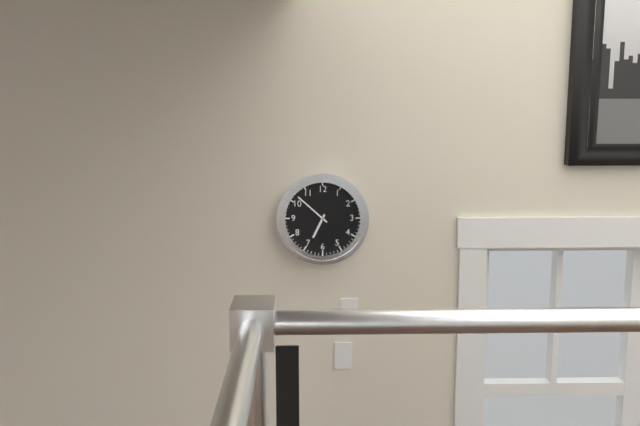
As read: 6.52
